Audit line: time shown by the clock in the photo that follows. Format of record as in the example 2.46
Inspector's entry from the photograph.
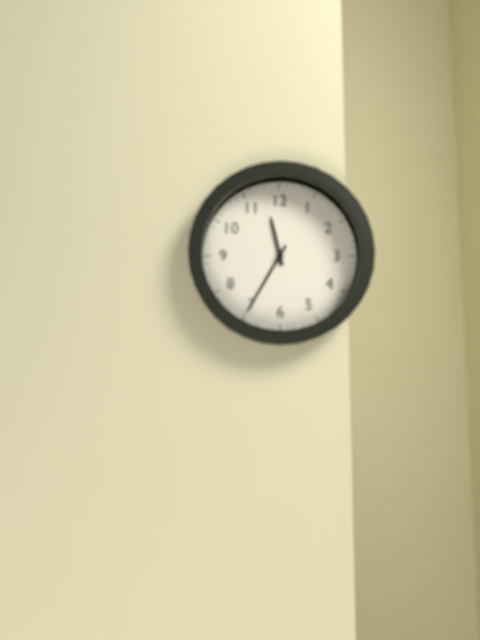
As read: 11.35
